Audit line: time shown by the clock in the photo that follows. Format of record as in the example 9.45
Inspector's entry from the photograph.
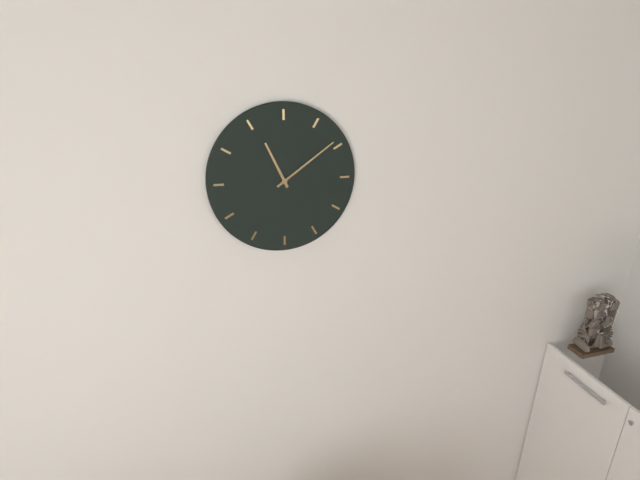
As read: 11.09
